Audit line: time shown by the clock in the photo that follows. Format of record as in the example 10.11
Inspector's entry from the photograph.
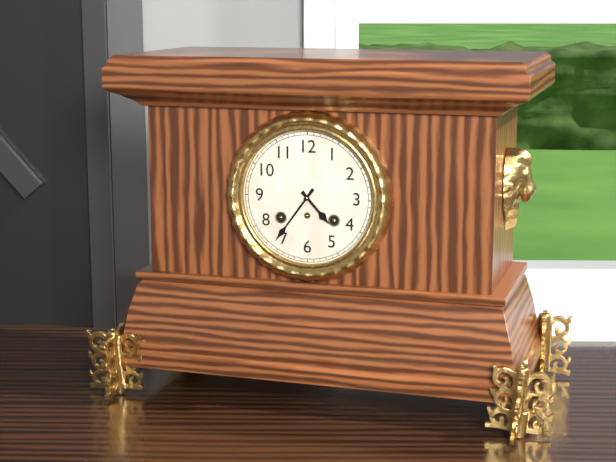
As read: 4.36
